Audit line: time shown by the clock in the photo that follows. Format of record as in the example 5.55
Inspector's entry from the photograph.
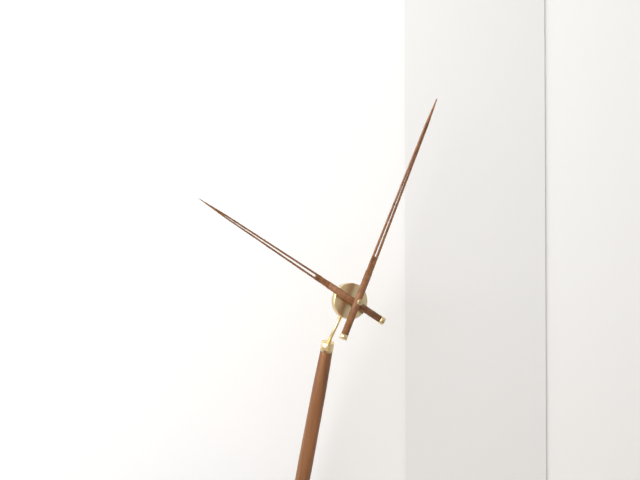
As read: 10.04
